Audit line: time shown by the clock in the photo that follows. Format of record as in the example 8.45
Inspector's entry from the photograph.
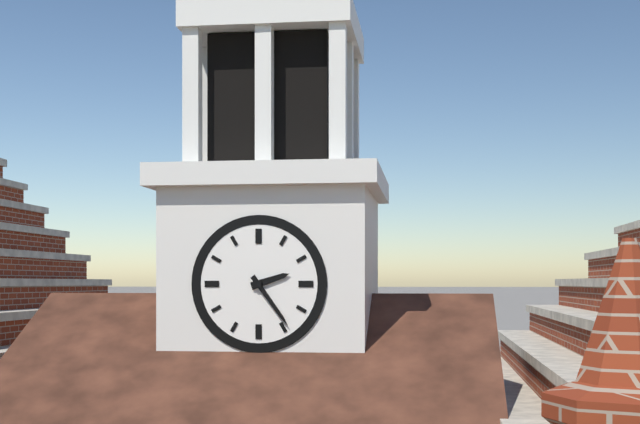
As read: 2.24
